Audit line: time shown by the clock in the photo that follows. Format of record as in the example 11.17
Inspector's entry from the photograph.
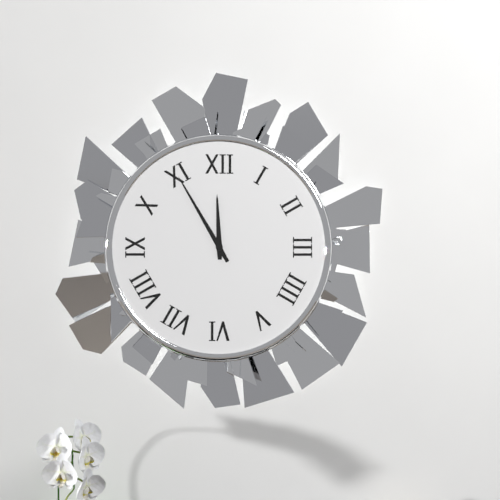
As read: 11.55
